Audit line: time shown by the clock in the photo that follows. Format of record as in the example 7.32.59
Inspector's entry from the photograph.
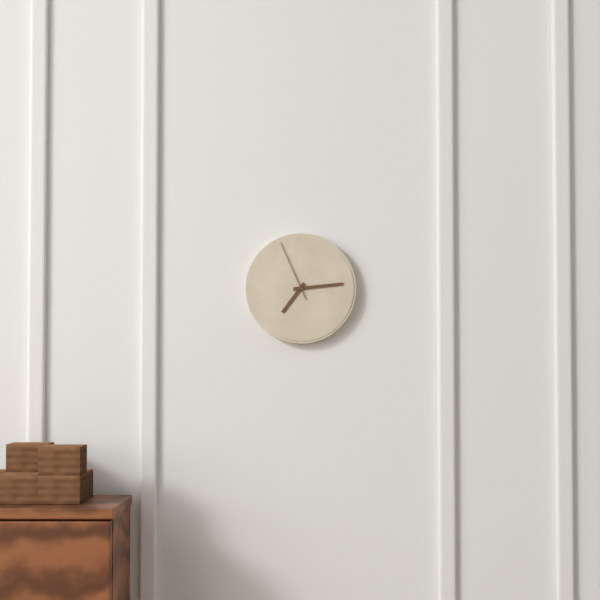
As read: 7.14.56
